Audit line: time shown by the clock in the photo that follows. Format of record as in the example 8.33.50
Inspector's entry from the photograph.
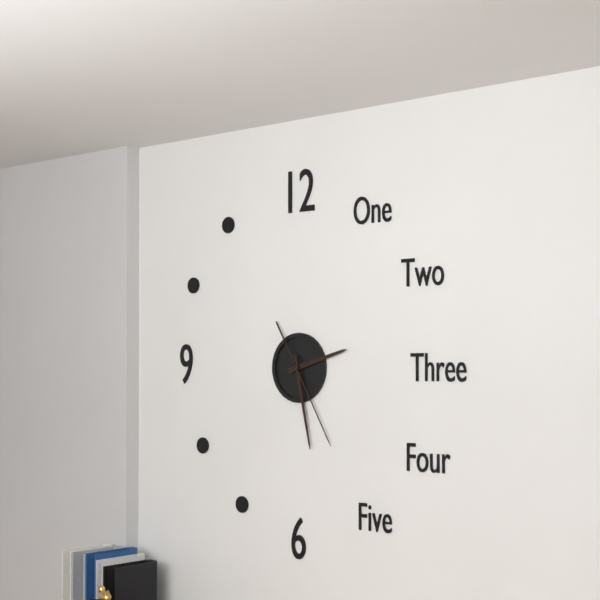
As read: 2.28.25
